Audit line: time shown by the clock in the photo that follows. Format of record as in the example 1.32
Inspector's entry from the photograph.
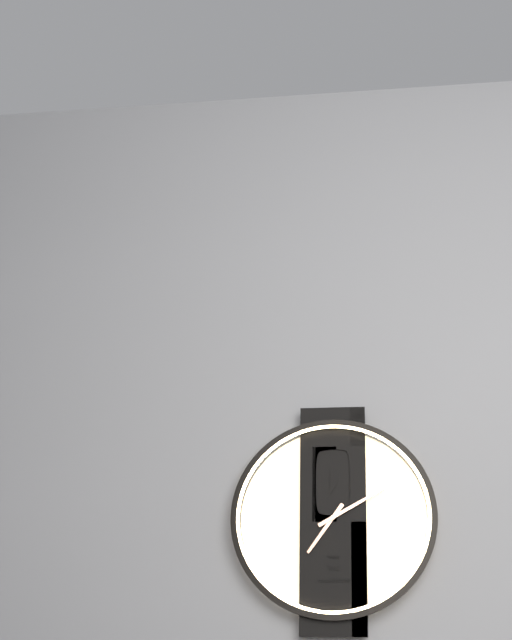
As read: 7.10
